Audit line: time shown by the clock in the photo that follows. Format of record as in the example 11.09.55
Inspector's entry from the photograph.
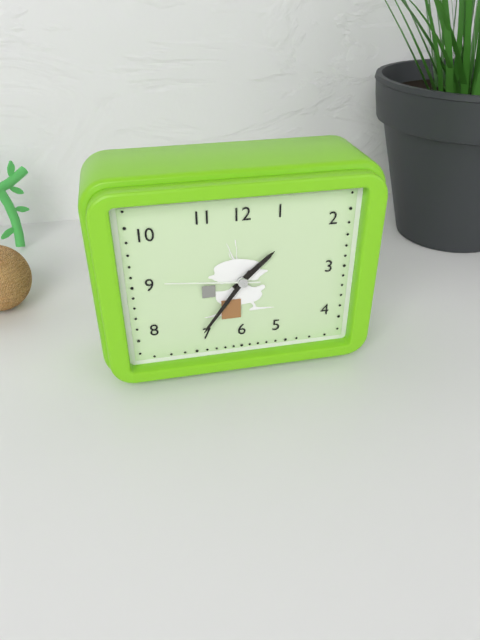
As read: 1.36.46
